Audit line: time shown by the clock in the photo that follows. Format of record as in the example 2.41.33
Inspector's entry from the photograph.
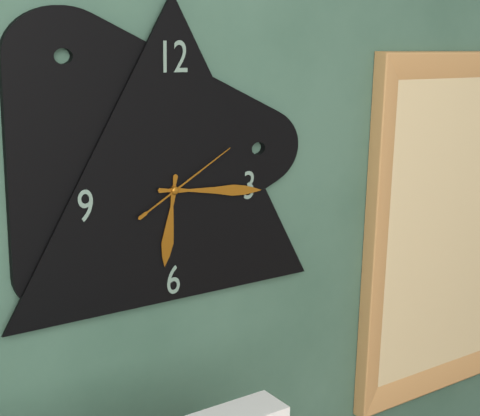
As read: 6.16.10
